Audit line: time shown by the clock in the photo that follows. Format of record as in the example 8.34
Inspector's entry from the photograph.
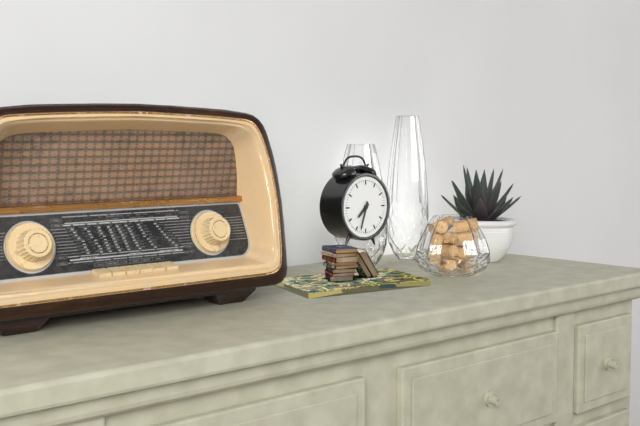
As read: 7.33
